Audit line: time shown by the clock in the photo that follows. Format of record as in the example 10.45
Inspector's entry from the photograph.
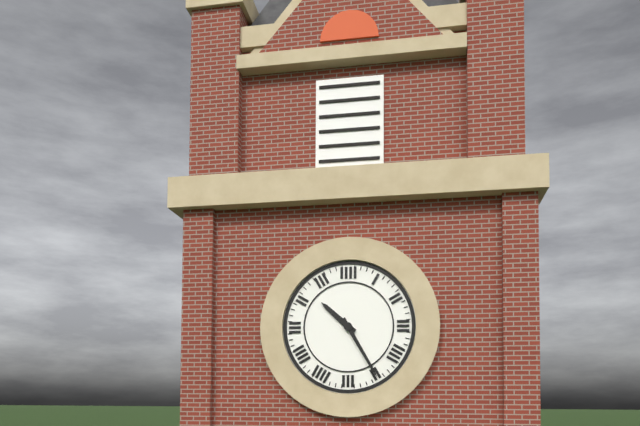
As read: 10.25
